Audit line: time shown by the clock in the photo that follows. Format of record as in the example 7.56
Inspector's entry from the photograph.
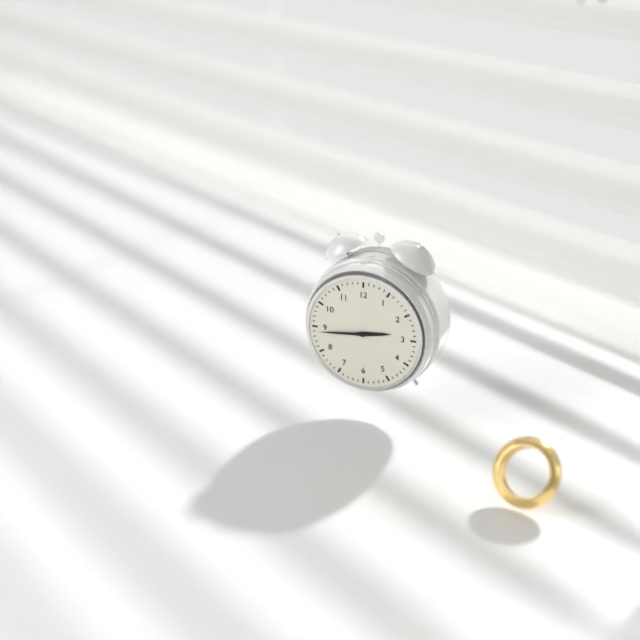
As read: 2.44
